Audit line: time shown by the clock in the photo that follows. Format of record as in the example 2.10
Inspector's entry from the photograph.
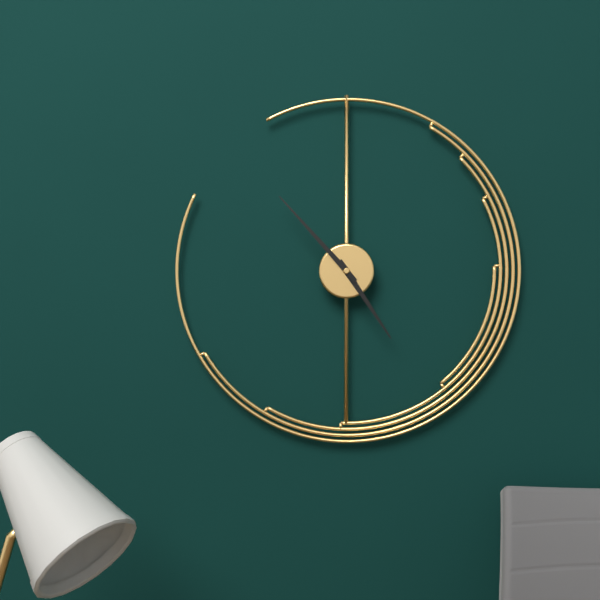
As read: 4.53
